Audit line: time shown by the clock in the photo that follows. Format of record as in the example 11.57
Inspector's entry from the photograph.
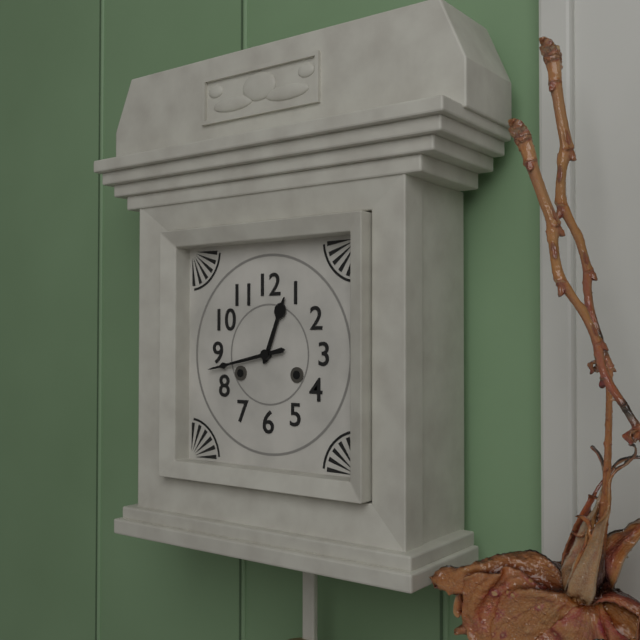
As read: 12.43
